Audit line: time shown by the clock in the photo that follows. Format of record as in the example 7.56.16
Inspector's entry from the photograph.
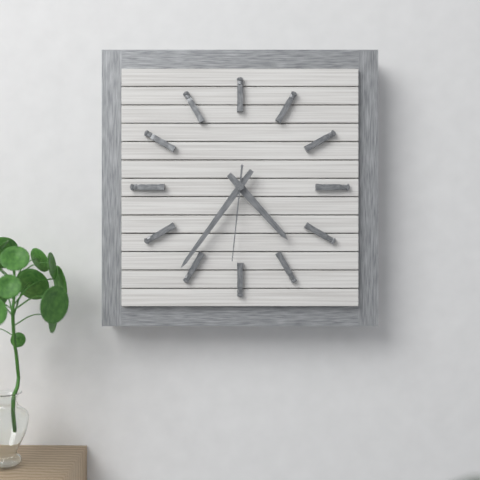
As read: 4.36.31
